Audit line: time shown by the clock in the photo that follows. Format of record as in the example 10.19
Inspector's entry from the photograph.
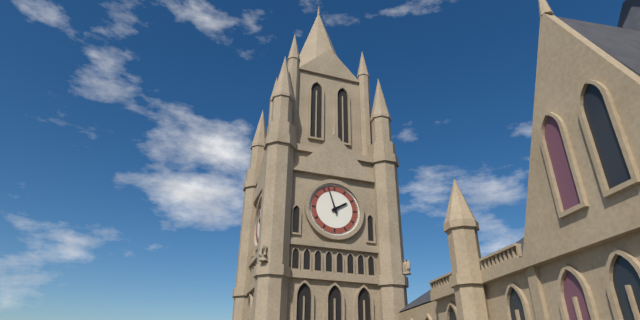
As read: 1.57
